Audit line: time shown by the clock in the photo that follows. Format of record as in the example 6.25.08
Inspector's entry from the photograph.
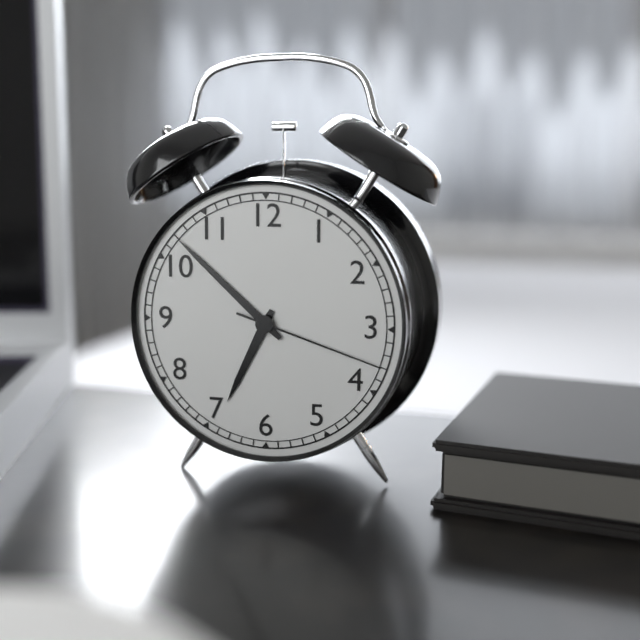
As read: 6.52.18
